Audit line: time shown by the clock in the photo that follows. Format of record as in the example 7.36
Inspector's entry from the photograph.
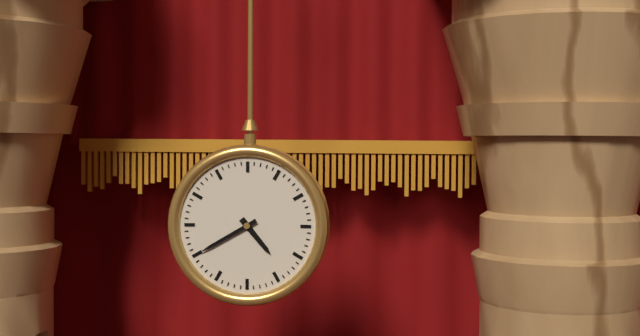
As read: 4.40
